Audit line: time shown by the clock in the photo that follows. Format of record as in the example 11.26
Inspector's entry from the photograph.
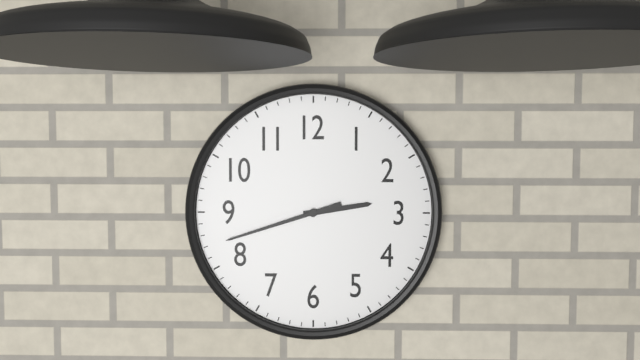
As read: 2.42
